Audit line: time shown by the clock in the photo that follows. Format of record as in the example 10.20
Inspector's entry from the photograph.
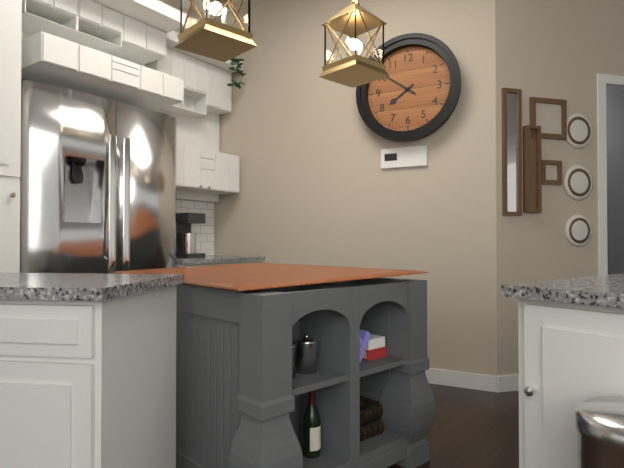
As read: 7.51
